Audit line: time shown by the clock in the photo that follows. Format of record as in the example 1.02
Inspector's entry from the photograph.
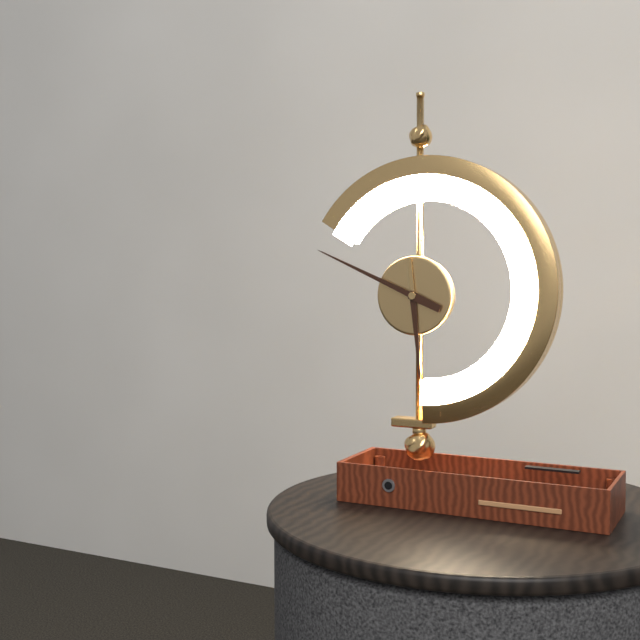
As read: 5.49
